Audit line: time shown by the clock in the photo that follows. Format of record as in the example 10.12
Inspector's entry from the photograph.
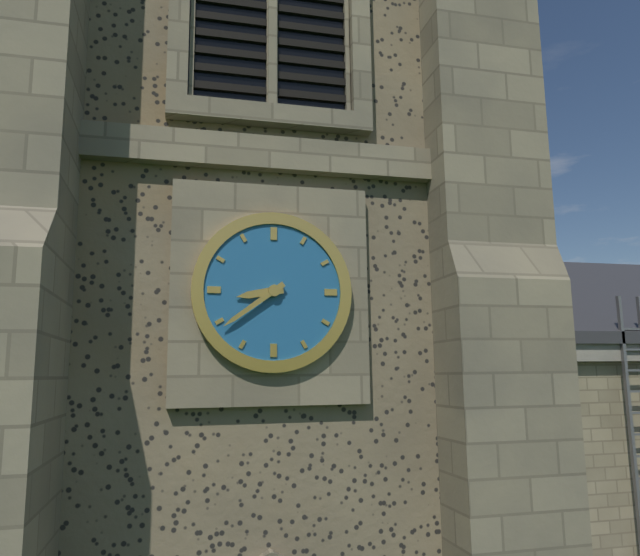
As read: 8.39
